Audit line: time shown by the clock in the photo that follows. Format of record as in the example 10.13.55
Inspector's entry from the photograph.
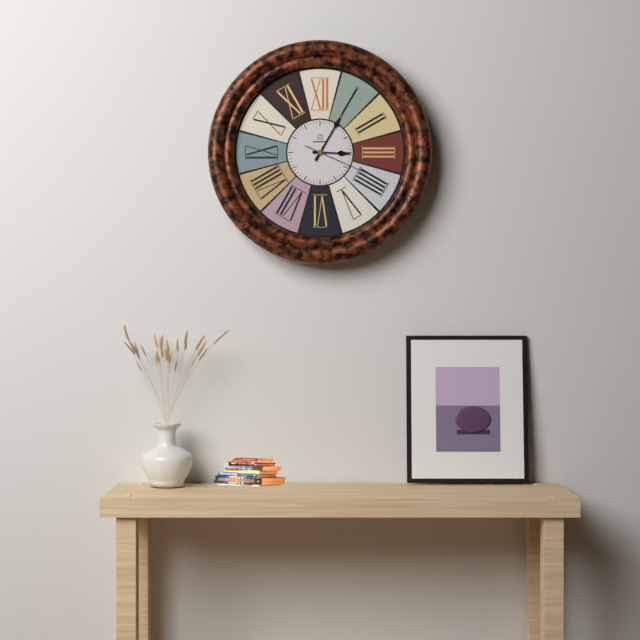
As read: 3.05.19
